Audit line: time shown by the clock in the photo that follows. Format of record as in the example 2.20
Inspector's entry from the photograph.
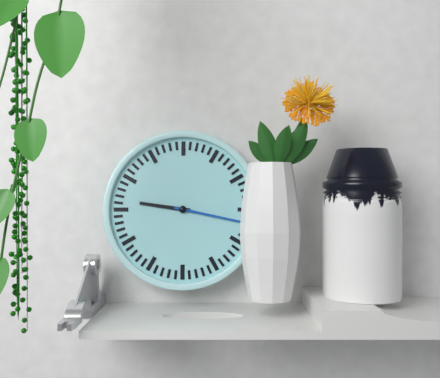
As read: 9.17
